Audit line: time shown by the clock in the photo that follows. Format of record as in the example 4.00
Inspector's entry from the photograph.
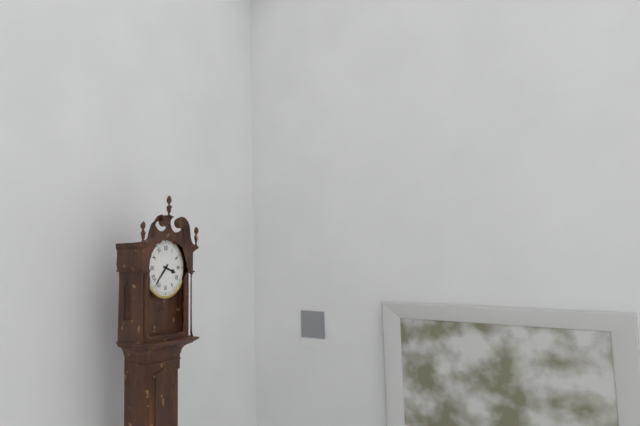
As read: 3.37
